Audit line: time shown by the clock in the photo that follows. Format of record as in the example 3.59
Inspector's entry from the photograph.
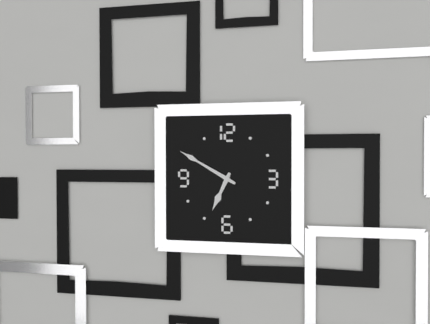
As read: 6.50
